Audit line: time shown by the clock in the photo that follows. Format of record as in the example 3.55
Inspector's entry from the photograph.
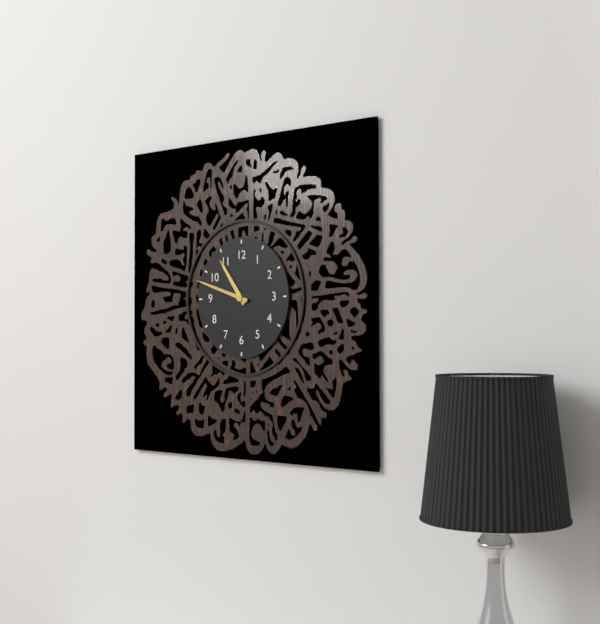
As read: 10.48
